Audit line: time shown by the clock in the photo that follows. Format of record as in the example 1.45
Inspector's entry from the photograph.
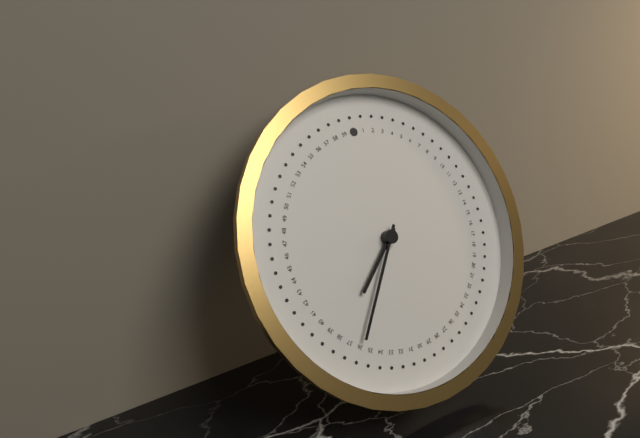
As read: 7.36
